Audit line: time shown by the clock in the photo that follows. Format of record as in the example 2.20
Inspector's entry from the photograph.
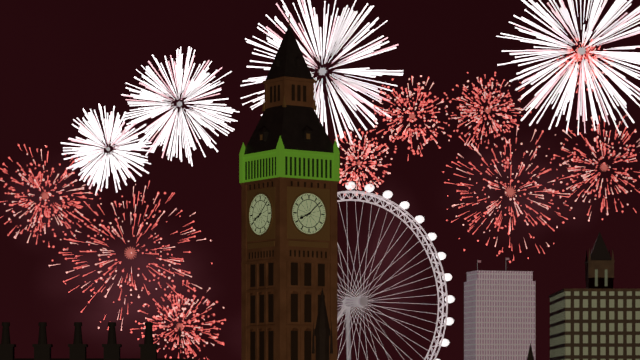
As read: 8.08
